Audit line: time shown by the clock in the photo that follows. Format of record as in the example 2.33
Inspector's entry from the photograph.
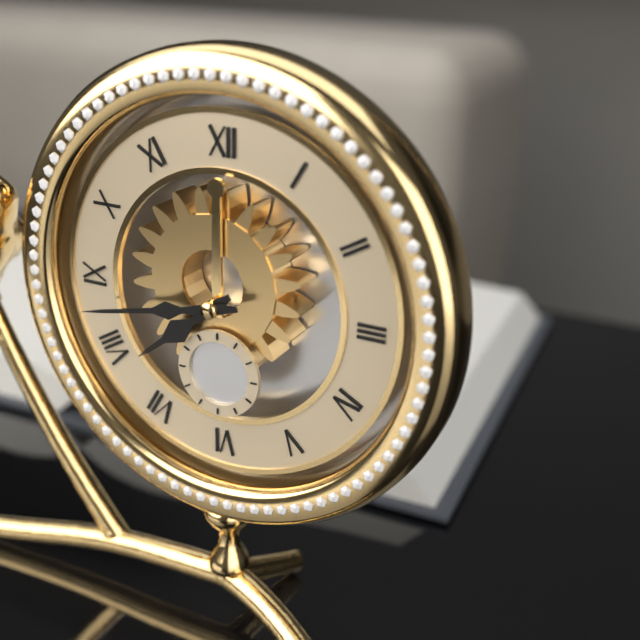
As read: 7.43
